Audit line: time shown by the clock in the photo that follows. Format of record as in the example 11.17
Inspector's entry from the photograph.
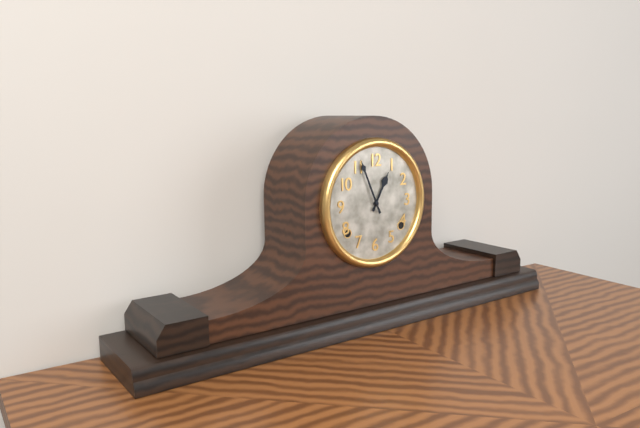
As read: 12.56
